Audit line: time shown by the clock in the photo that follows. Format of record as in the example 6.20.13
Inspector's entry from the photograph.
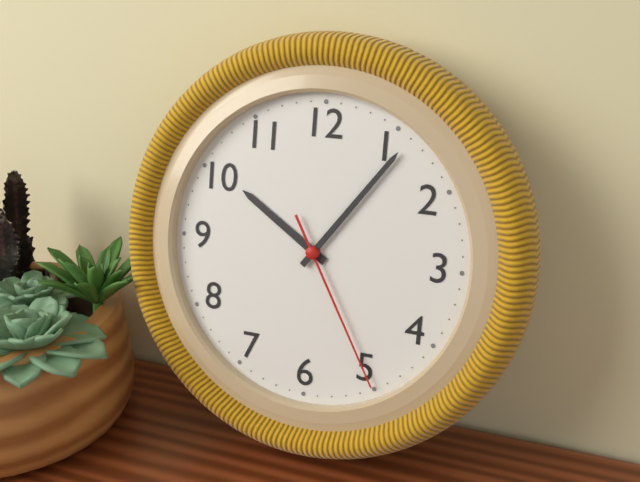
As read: 10.06.25
